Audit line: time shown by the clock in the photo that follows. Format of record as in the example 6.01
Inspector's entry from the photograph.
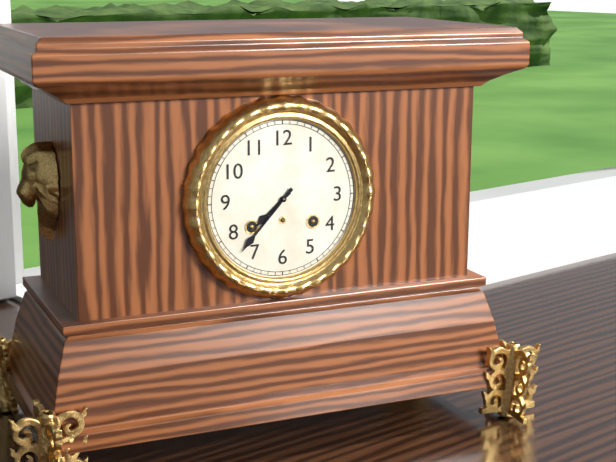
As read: 7.37
